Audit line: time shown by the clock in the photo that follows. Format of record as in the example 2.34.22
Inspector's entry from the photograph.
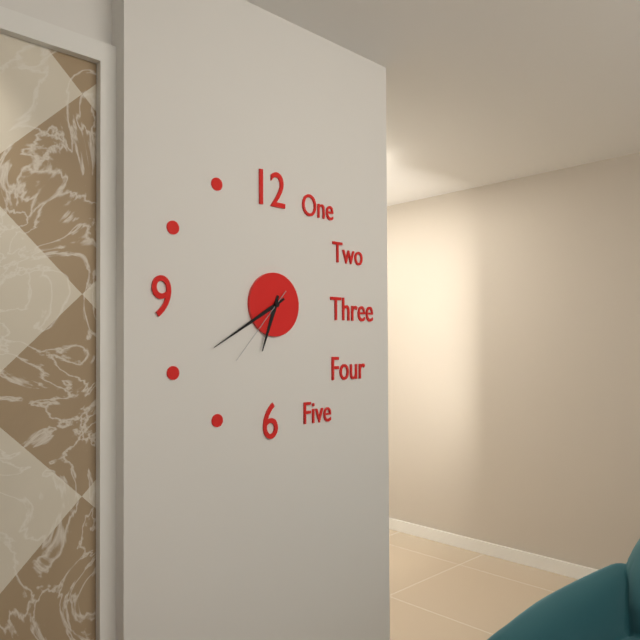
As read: 6.40.37
